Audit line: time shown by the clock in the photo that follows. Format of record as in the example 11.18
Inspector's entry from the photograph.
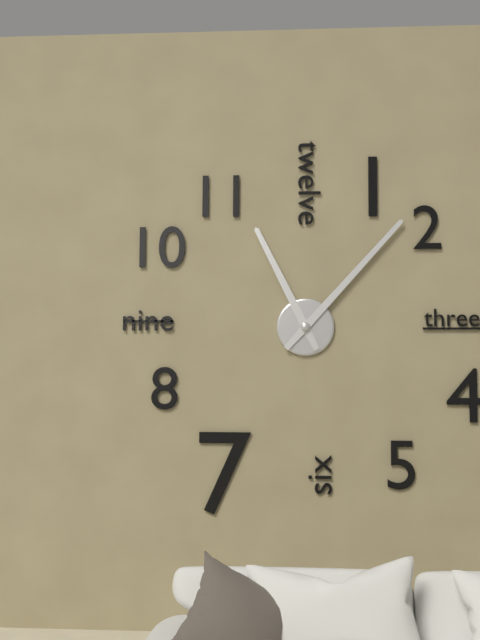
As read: 11.07
